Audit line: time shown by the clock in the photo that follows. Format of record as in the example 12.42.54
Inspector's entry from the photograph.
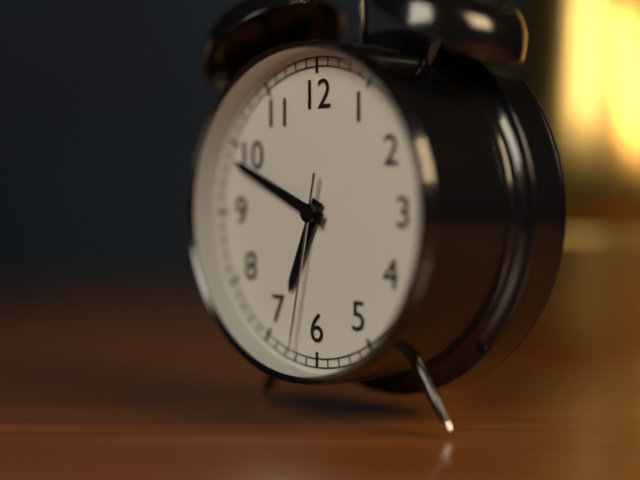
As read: 6.49.32
